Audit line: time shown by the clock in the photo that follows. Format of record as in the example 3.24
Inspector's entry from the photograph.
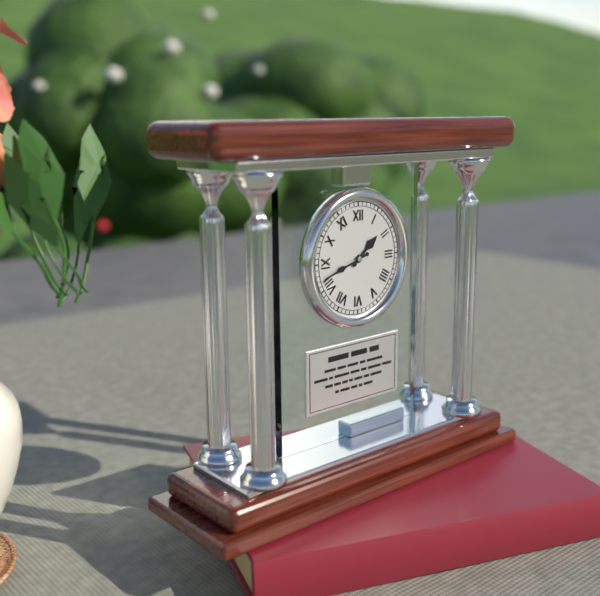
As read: 1.42
